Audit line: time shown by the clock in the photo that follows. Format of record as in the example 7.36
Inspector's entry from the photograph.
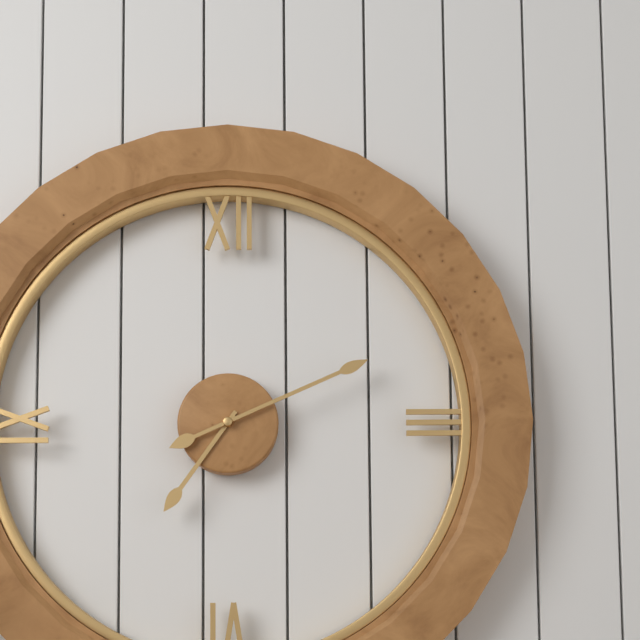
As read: 7.11
